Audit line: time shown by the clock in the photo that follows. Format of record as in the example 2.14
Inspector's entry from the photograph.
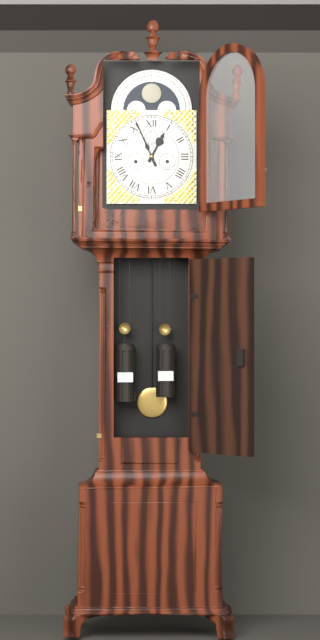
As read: 12.56
